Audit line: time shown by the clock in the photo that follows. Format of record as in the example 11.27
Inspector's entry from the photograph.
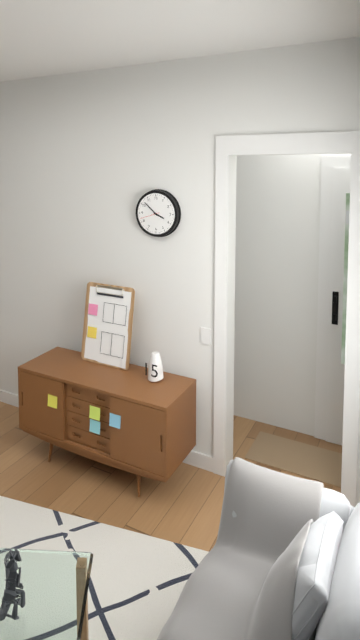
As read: 3.52
